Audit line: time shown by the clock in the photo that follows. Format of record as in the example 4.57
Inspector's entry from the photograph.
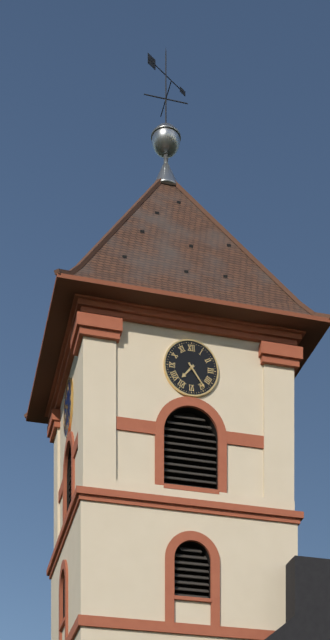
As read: 7.24
